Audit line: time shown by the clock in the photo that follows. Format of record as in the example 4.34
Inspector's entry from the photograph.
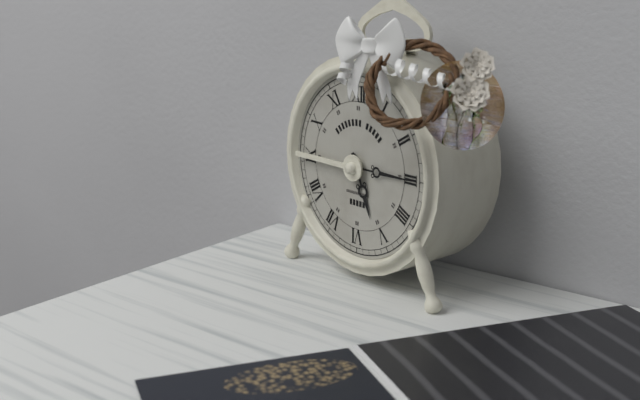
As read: 5.15
